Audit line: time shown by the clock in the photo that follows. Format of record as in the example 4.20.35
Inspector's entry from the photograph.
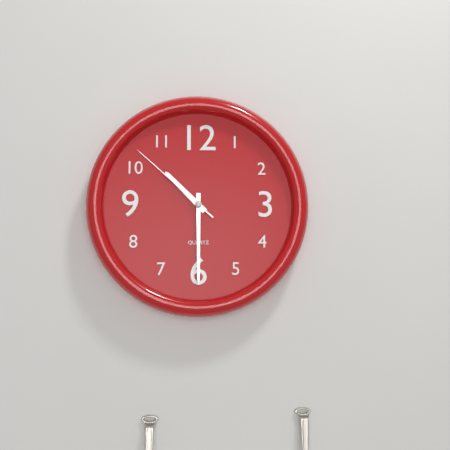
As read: 10.30.52
